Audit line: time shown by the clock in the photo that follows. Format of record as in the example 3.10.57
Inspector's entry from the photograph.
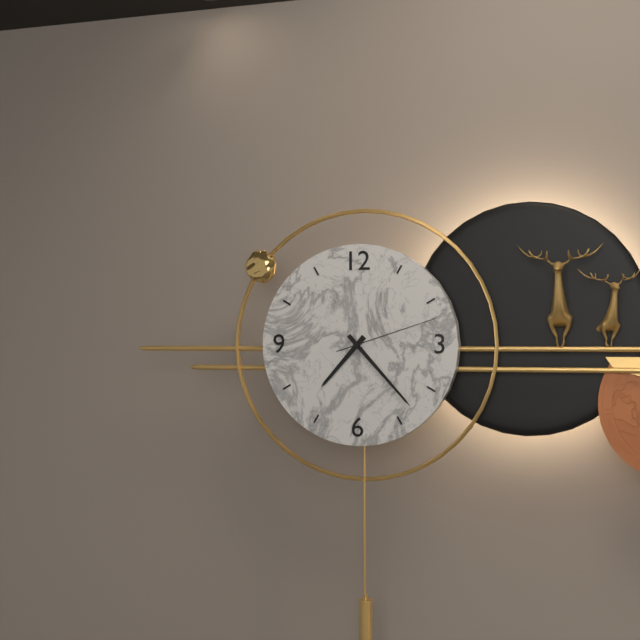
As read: 7.23.12
